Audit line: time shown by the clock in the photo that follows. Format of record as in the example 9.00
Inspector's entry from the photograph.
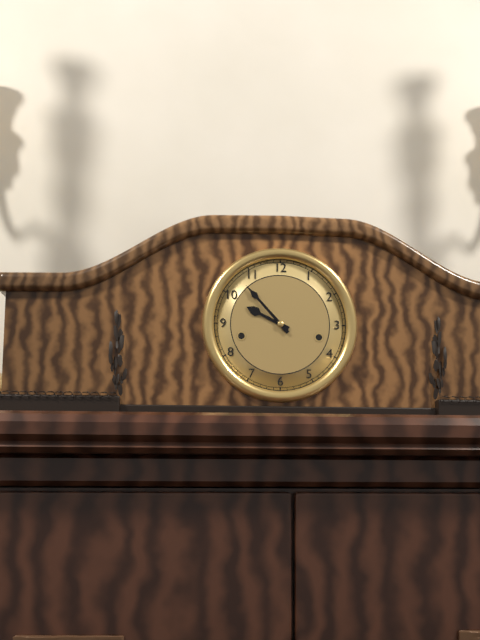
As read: 9.53
